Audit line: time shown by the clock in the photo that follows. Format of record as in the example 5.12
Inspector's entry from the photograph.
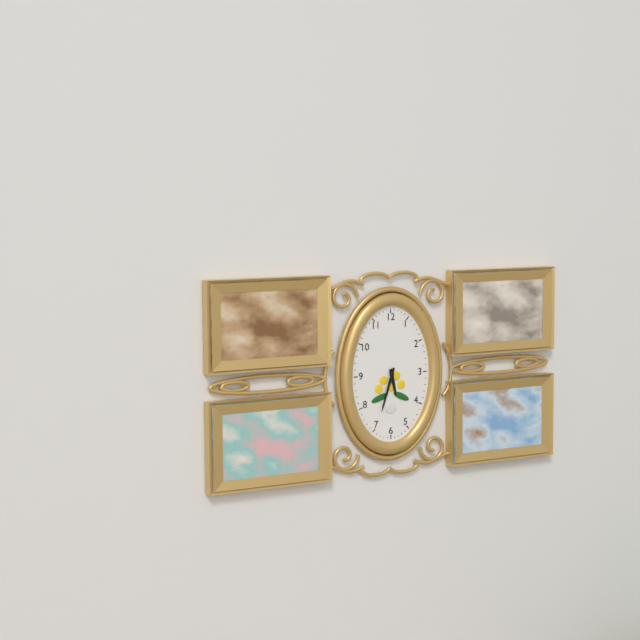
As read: 5.33
